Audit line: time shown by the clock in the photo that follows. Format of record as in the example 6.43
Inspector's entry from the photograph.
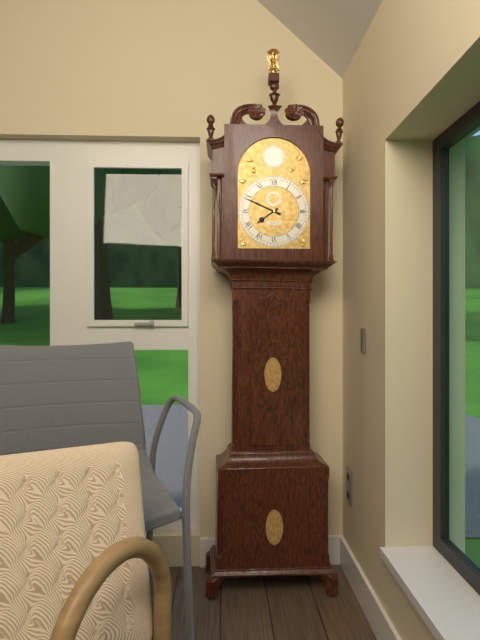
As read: 7.49
